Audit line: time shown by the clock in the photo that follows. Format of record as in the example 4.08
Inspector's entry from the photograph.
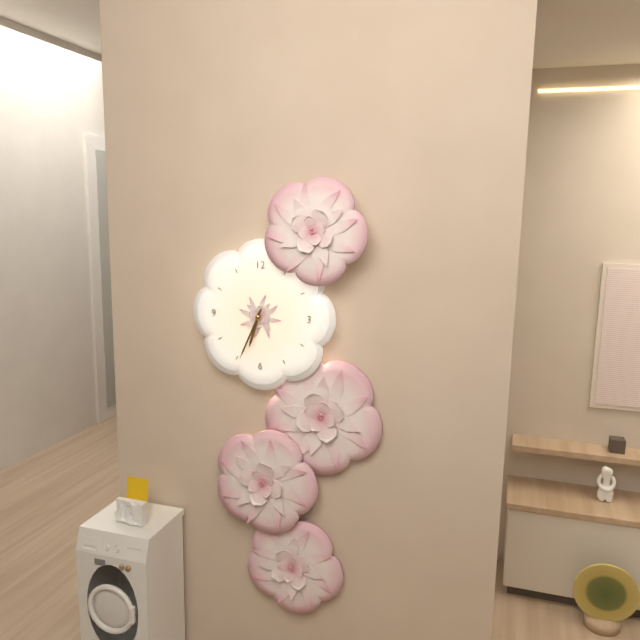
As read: 6.34
